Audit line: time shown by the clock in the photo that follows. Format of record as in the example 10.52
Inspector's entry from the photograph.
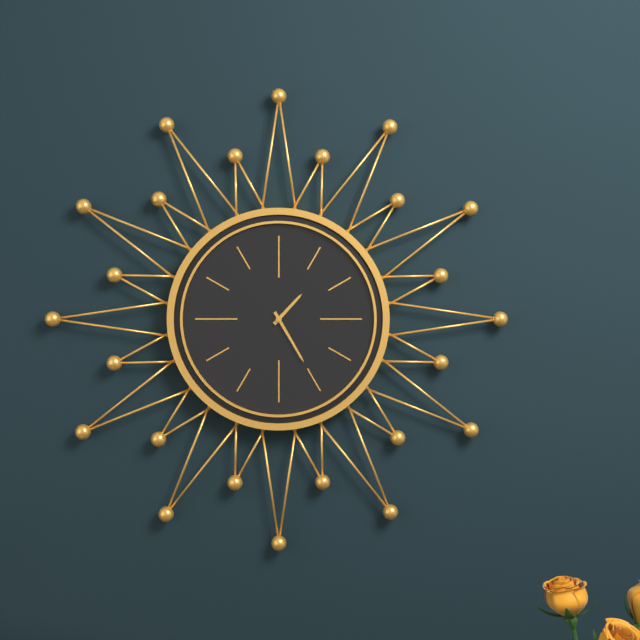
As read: 1.25
